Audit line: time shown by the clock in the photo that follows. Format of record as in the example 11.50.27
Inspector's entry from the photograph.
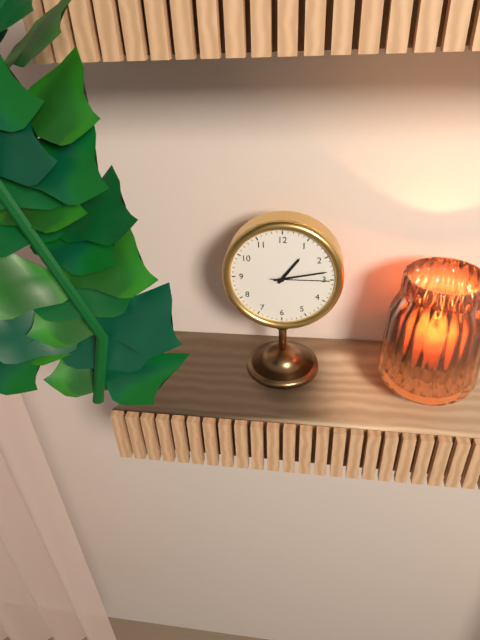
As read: 1.13.15
